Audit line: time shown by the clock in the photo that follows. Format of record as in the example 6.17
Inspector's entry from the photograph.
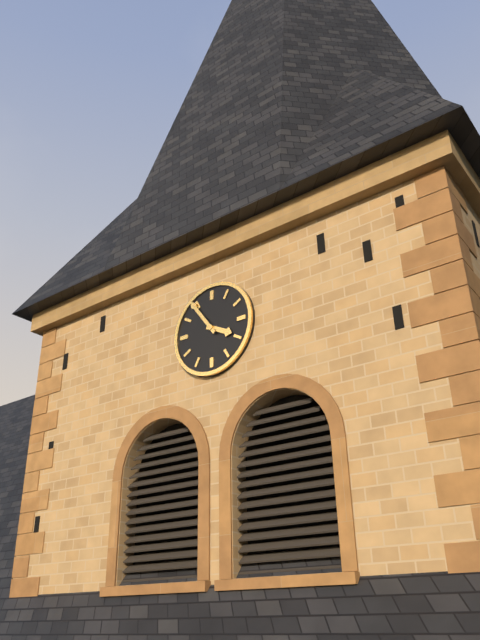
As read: 3.54
